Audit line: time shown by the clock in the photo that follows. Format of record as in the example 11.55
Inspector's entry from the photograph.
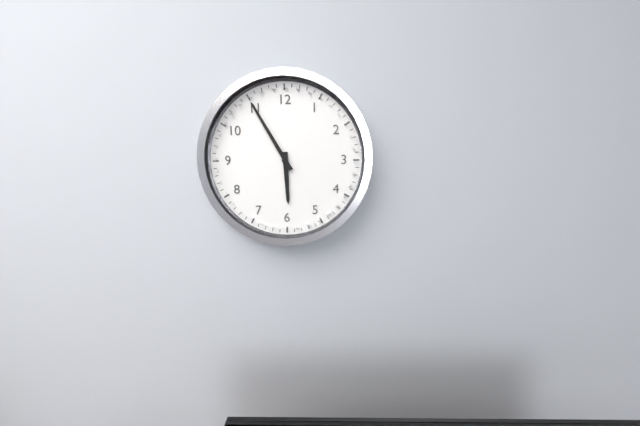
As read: 5.55
